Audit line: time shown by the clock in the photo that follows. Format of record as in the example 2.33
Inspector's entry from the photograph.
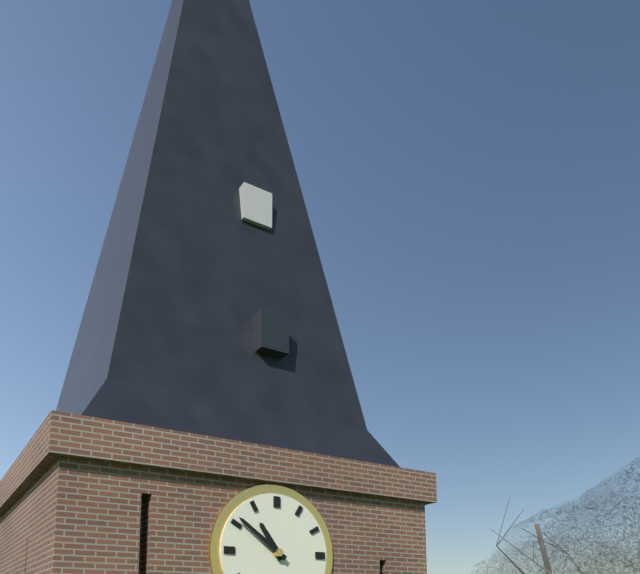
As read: 10.51
